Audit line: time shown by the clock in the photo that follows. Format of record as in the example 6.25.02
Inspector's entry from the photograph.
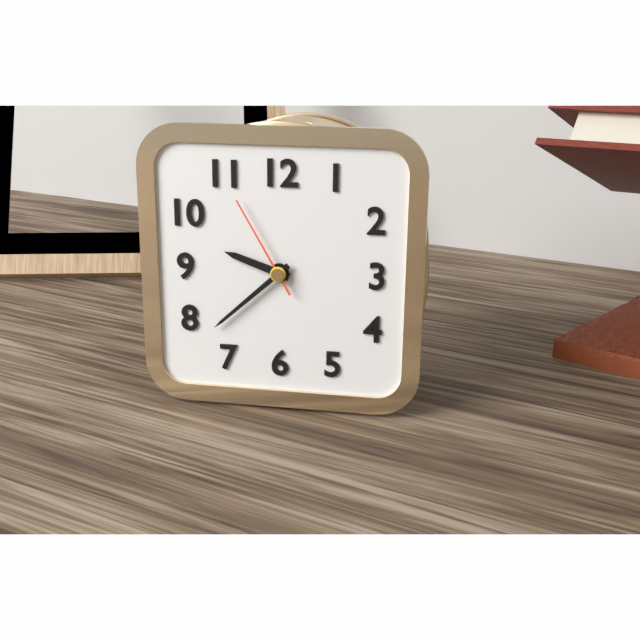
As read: 9.38.55
